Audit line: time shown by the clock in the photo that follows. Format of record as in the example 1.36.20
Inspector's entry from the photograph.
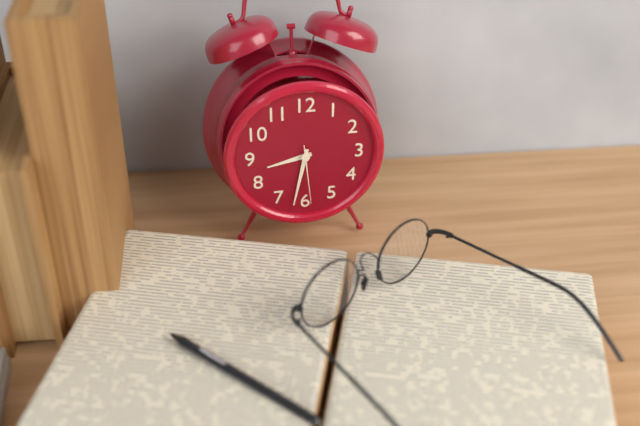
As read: 8.32.29
